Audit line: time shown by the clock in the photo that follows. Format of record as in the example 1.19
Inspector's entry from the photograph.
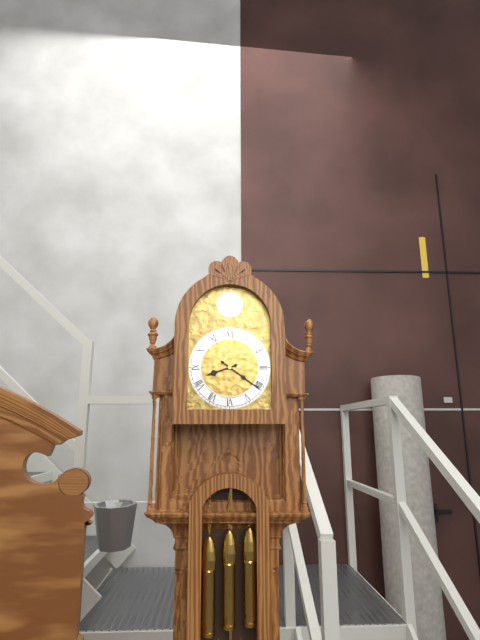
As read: 8.21
